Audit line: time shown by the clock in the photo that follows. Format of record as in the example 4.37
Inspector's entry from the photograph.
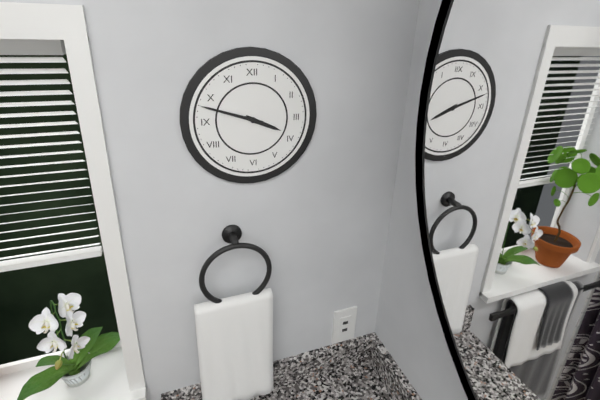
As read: 3.48
